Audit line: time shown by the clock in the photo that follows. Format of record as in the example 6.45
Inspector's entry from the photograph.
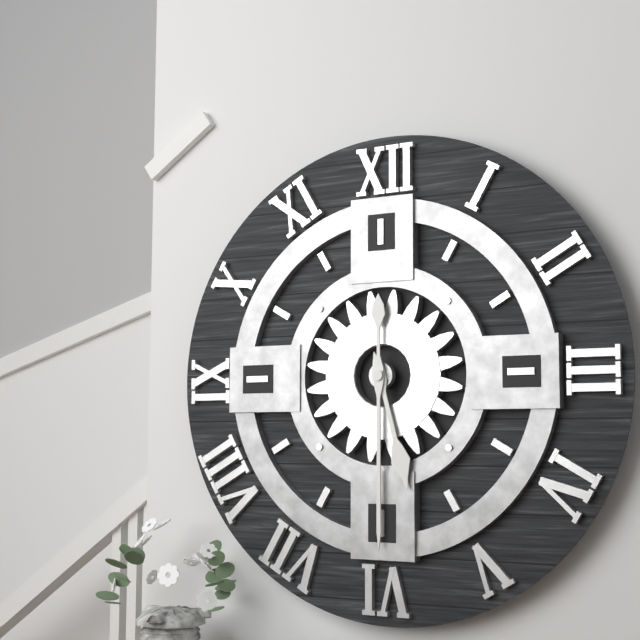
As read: 5.30
